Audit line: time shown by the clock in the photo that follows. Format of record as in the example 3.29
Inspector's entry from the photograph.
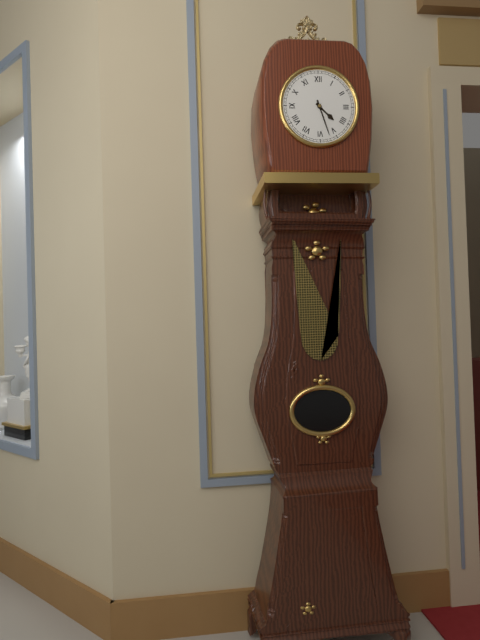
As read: 4.27
